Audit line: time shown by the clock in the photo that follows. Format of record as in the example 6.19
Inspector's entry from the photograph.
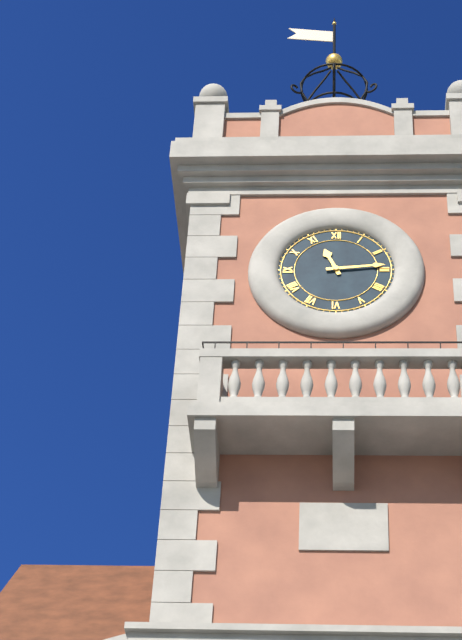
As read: 11.14
